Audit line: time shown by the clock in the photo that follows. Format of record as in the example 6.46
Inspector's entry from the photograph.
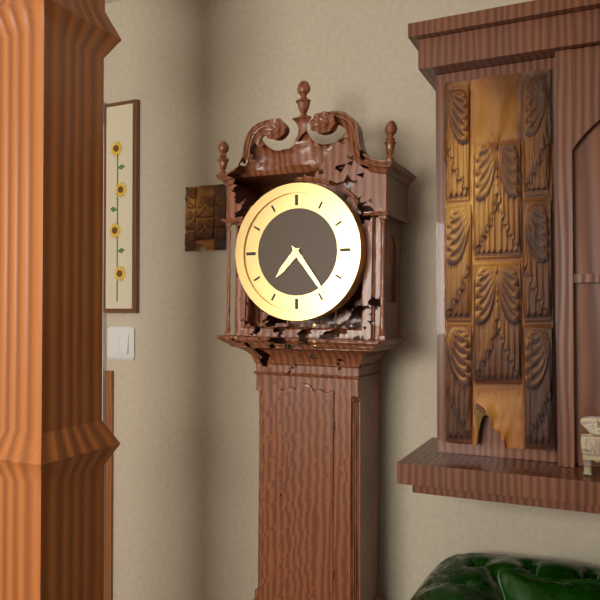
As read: 7.24
